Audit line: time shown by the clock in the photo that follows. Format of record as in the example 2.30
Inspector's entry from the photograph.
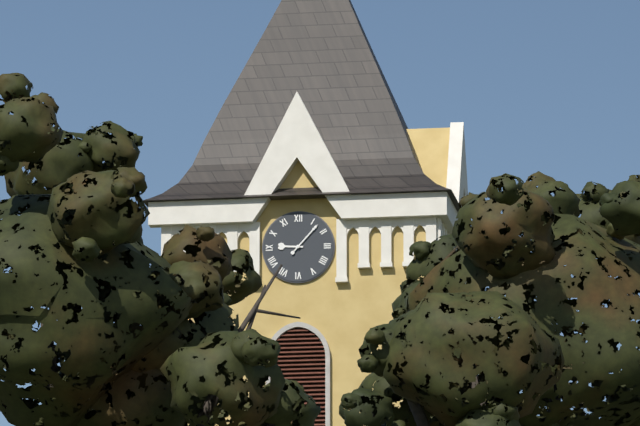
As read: 9.07
